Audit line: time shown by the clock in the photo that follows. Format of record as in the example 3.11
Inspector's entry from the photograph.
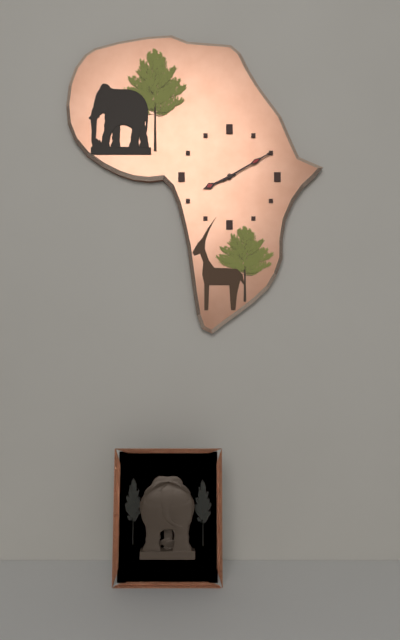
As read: 8.10
